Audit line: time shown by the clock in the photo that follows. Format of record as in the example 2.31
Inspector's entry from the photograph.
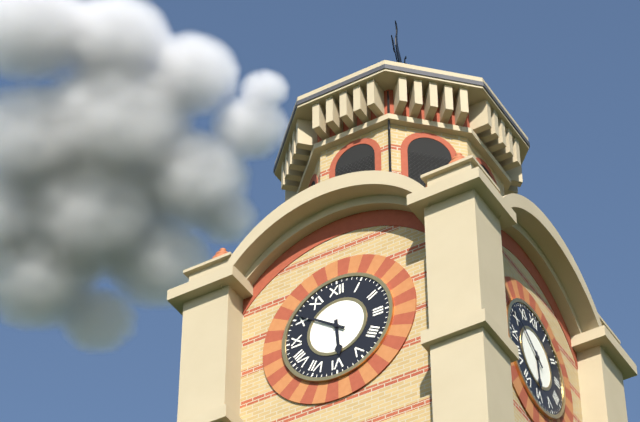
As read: 5.51
